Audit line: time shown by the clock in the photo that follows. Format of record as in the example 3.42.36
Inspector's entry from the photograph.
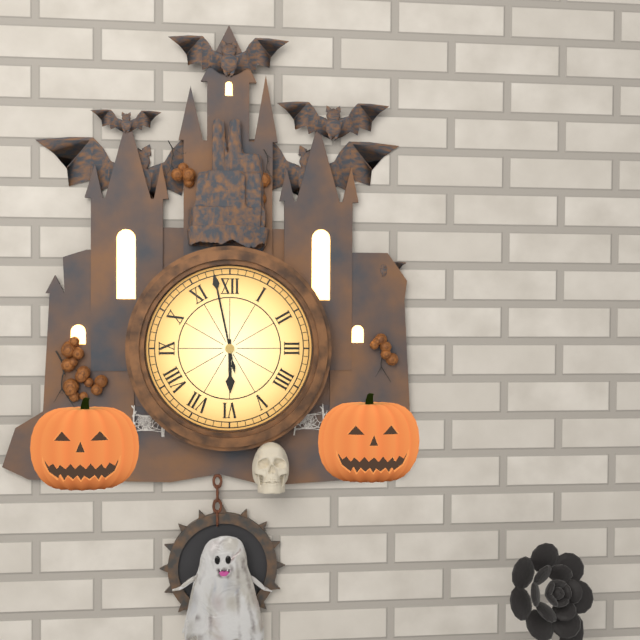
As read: 5.58.58
